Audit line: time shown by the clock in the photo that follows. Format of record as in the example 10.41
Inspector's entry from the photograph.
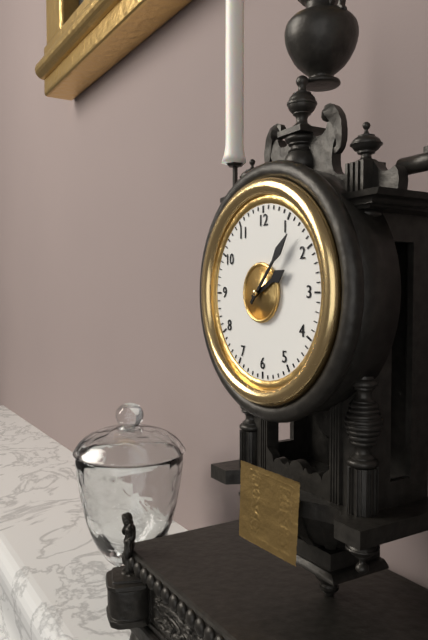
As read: 2.07
